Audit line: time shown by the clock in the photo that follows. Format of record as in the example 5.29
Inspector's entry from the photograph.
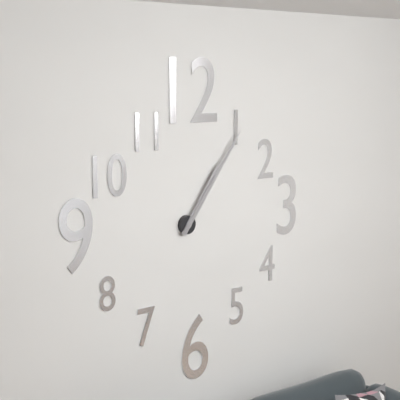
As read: 1.06
